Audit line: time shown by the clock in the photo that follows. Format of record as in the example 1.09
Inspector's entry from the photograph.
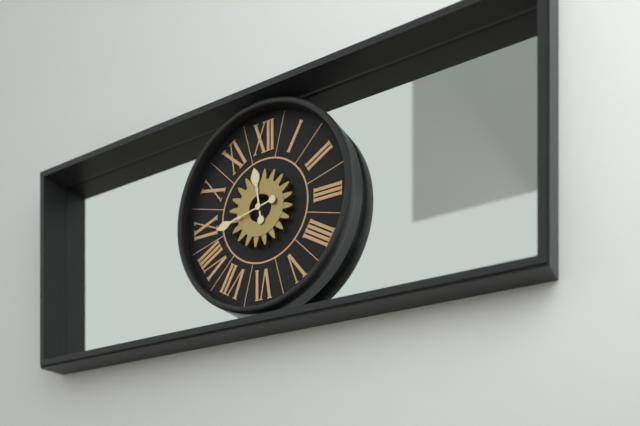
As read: 11.43
